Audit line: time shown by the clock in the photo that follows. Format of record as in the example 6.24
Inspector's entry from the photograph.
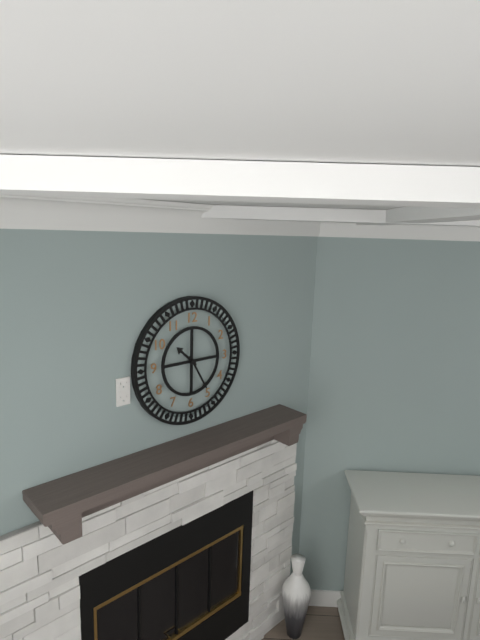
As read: 10.25
